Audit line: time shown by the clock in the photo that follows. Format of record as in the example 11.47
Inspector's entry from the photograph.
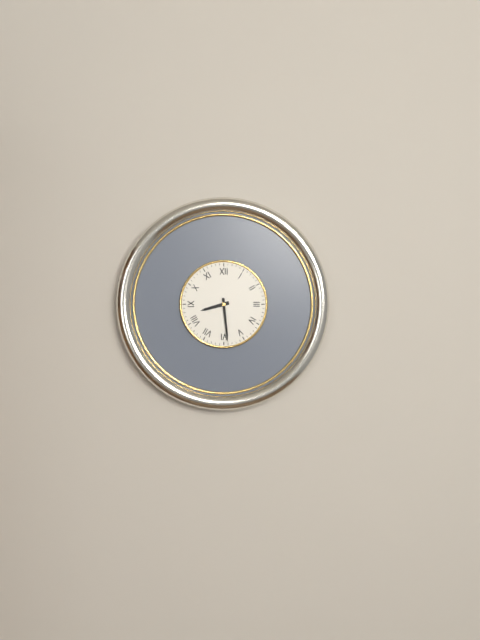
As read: 8.29
